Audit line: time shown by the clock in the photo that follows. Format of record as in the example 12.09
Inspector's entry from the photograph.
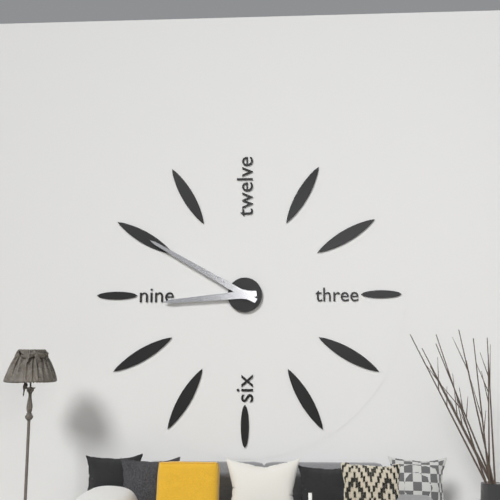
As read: 8.50
